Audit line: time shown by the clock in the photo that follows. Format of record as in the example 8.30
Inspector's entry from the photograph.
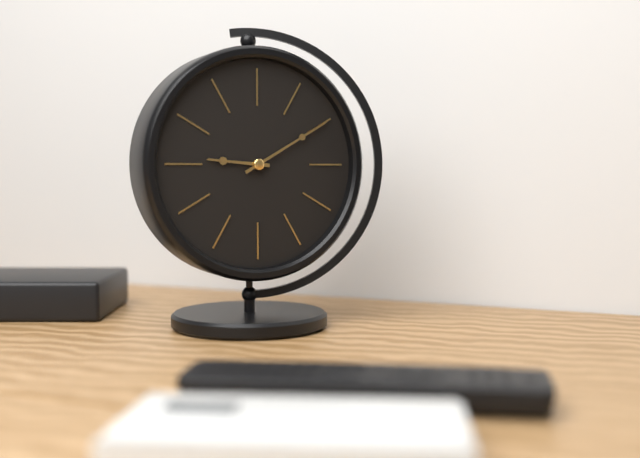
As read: 9.10
